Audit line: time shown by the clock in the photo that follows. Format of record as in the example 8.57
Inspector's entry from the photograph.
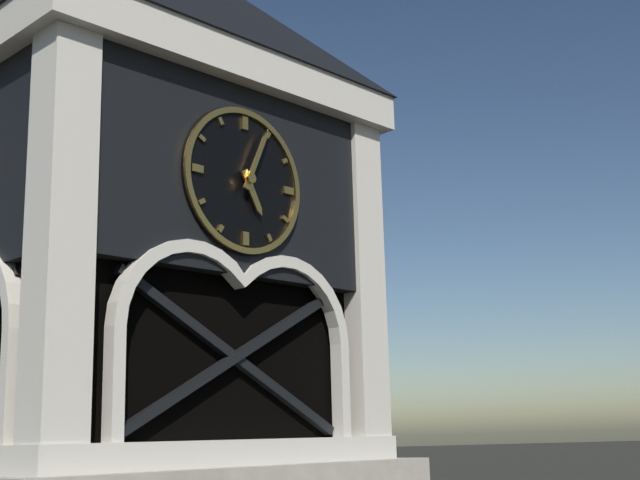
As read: 5.04
